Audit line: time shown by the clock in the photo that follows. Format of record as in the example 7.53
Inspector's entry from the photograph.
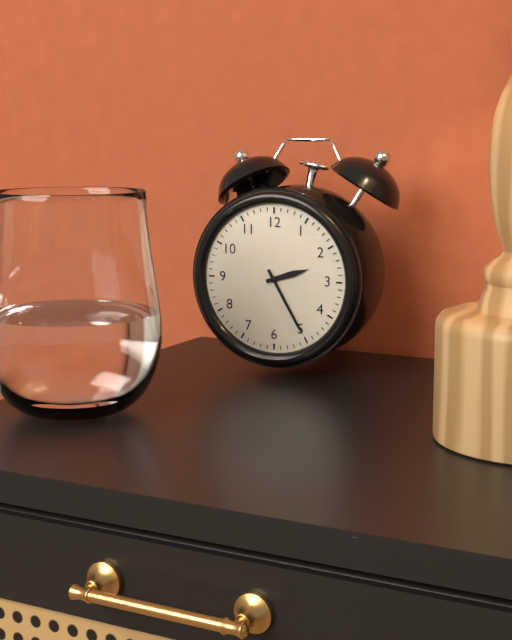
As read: 2.25
